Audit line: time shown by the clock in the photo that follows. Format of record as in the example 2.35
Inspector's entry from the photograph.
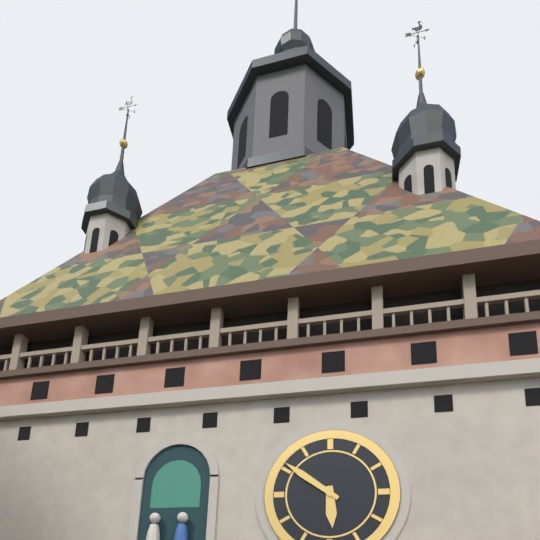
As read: 5.51
